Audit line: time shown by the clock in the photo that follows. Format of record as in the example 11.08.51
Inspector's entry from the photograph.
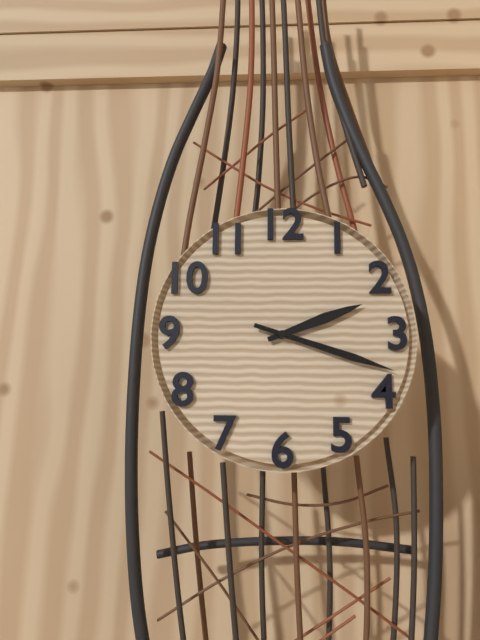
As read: 2.18.18
